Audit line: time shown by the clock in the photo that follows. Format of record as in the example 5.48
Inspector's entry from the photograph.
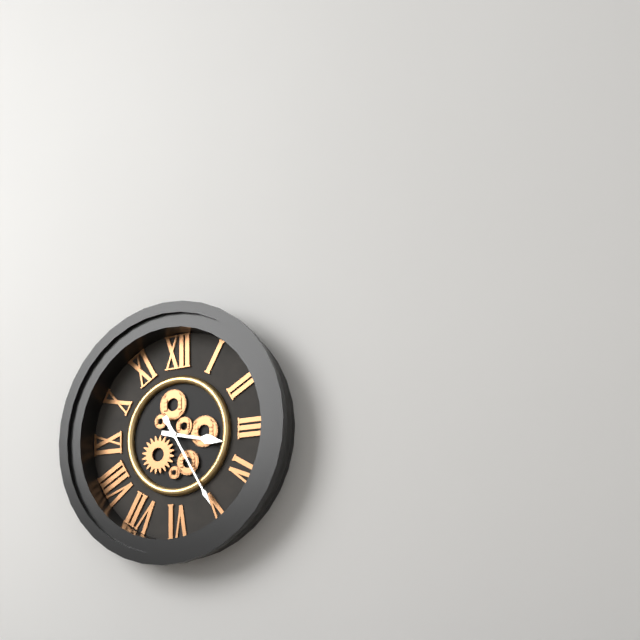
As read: 3.25
